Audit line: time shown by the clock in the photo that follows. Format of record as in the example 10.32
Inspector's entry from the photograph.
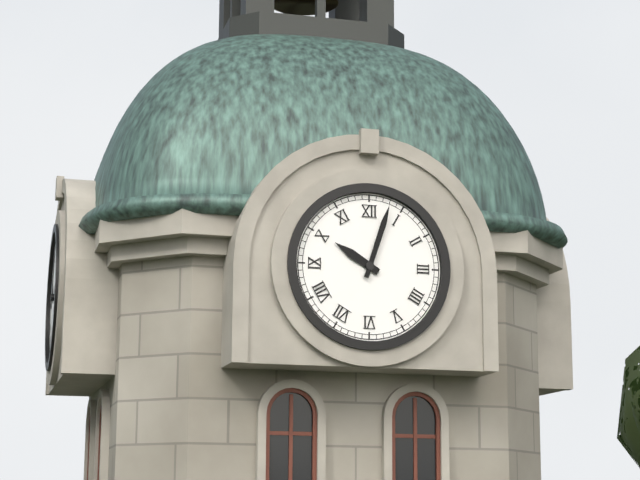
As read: 10.03
